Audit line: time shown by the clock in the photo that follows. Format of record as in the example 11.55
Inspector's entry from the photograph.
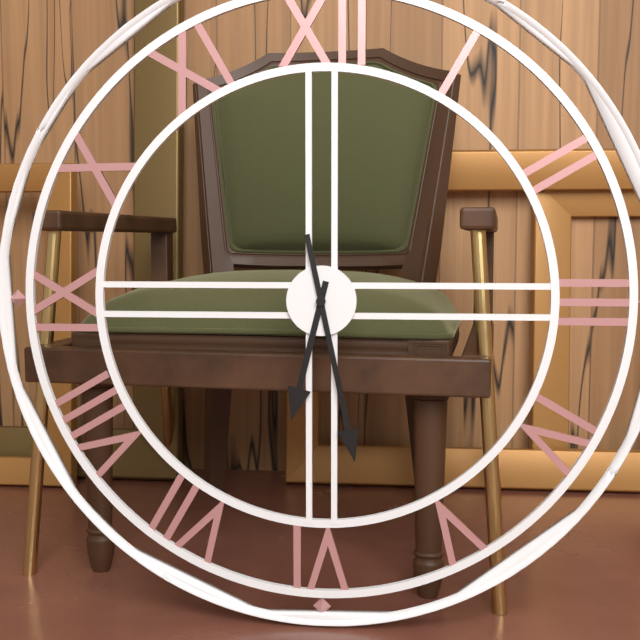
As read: 6.28
